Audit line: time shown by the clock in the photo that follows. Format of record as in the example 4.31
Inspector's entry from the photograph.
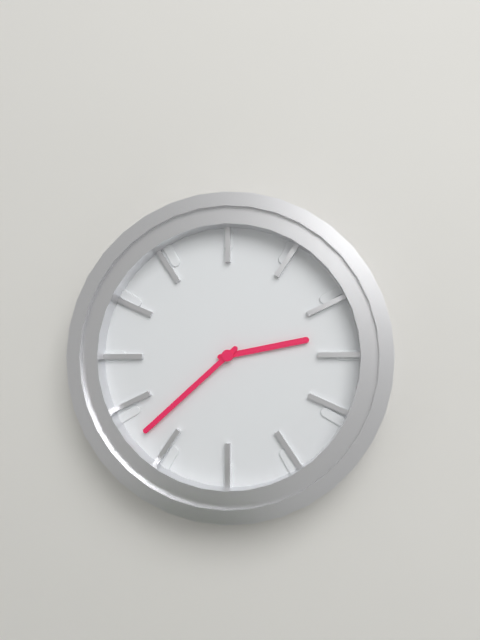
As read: 2.38
